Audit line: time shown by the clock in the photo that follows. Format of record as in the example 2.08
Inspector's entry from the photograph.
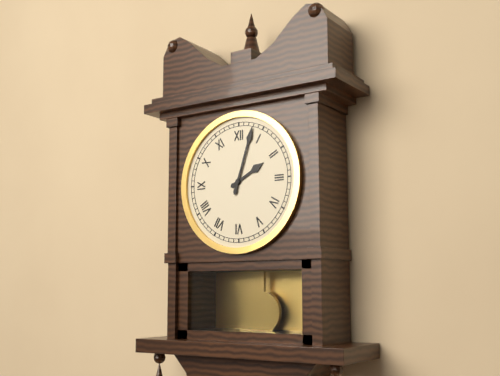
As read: 2.03
